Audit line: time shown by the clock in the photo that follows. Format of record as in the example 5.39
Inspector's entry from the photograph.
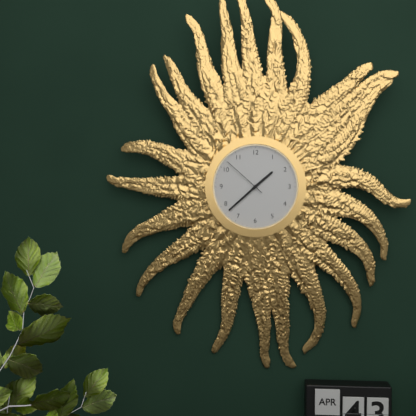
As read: 1.38
